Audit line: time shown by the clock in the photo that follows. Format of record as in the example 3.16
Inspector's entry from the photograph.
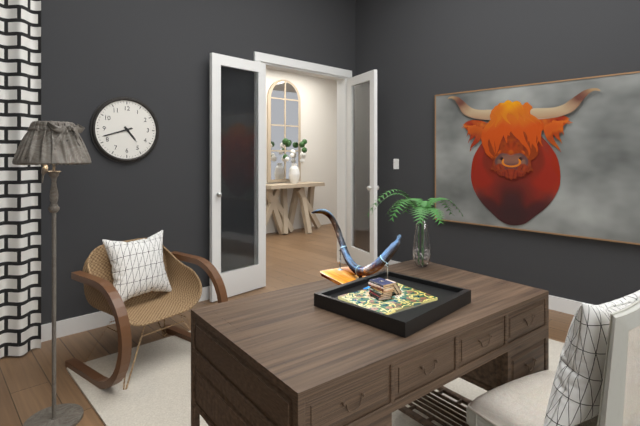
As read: 4.42
